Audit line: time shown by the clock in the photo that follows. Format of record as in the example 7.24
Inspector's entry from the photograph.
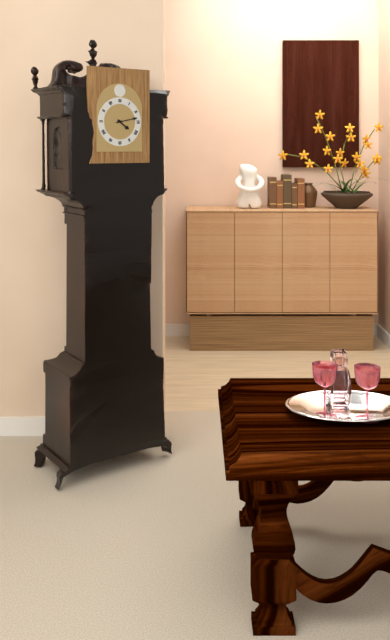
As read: 4.13
